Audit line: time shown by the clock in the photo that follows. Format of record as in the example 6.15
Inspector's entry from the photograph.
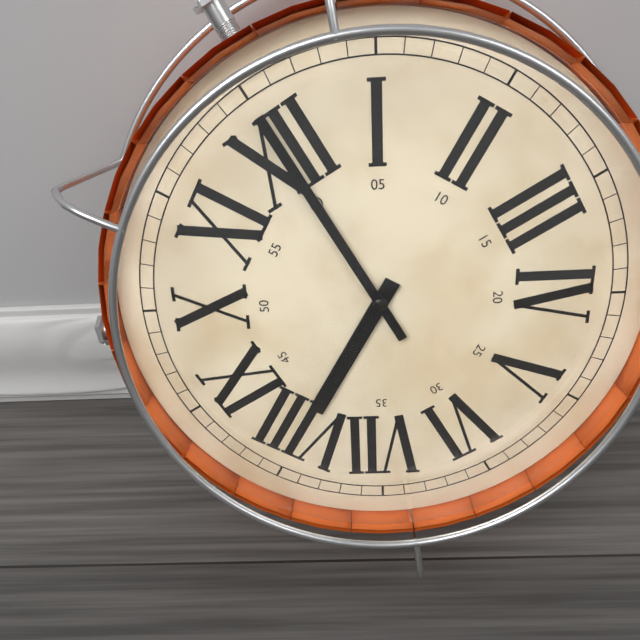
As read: 8.00
